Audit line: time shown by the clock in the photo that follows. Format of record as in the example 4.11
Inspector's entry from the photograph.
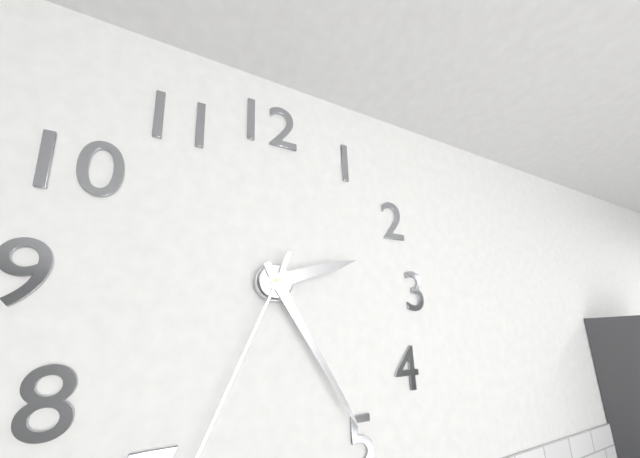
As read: 2.25
